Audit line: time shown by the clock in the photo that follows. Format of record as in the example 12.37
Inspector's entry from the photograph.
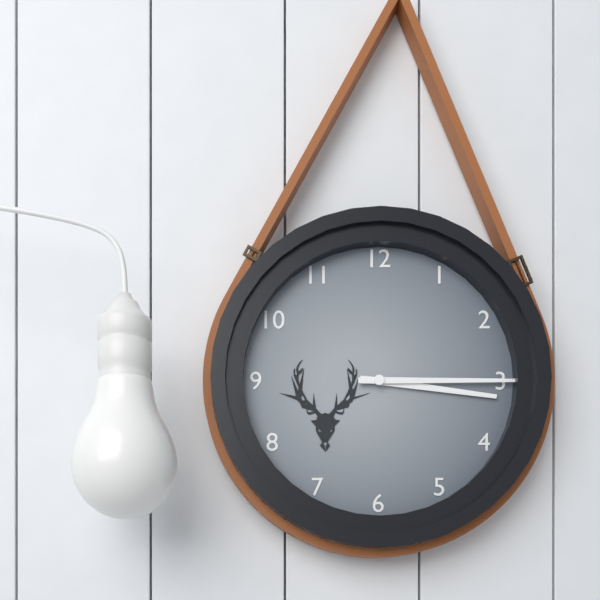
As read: 3.15
